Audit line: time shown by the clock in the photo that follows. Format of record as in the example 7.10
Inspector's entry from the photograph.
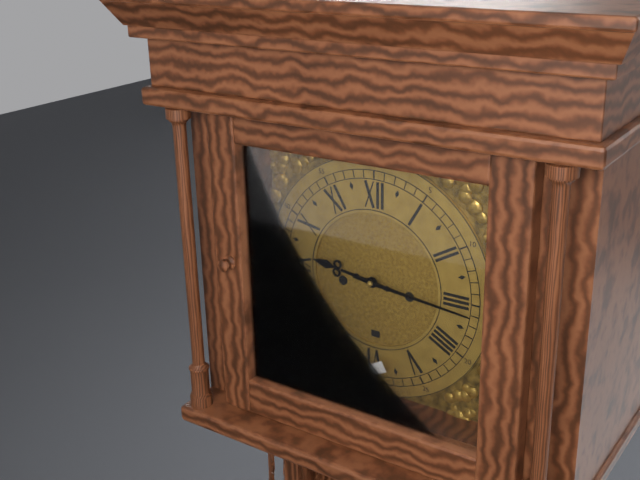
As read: 9.16
